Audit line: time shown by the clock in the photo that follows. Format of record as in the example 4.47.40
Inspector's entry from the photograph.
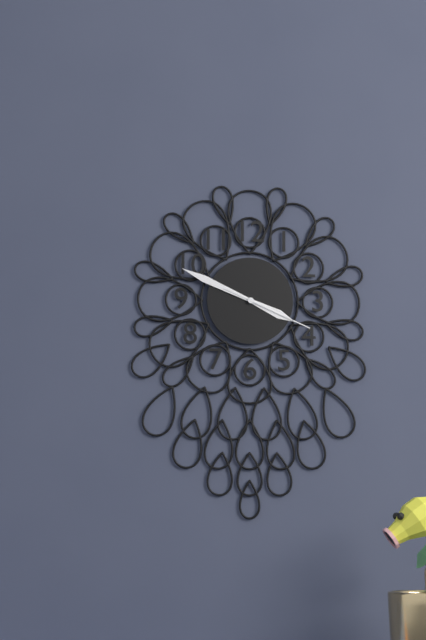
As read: 3.49.19
